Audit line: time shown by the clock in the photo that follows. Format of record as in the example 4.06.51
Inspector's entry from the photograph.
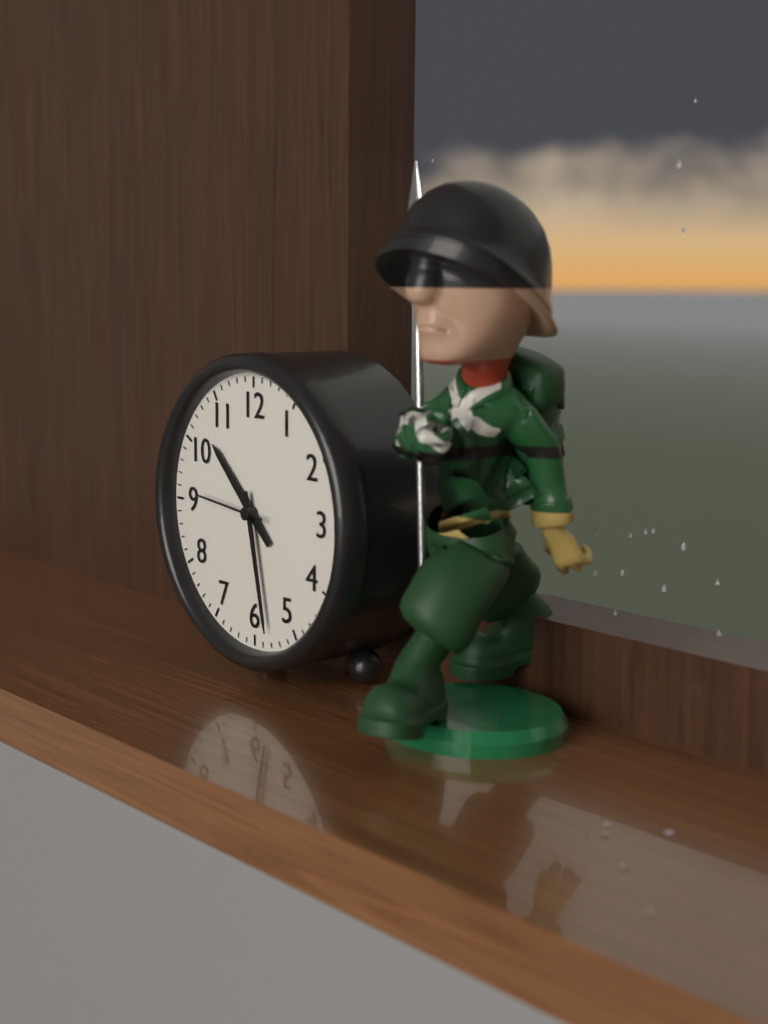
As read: 10.28.46
